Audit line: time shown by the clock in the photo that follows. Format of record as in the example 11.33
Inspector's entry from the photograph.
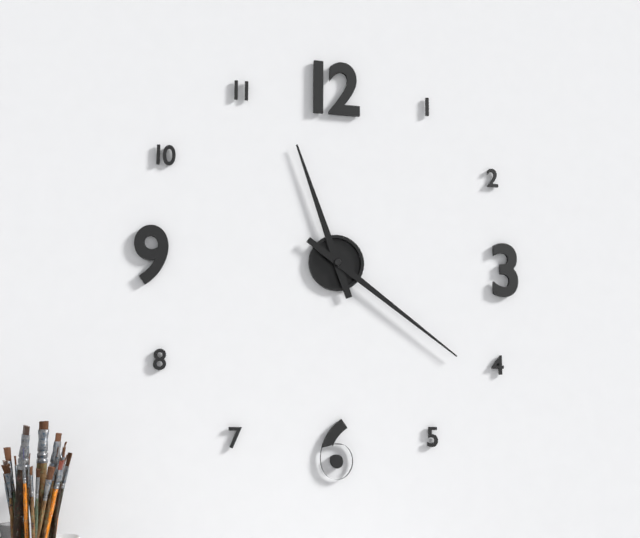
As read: 11.21
